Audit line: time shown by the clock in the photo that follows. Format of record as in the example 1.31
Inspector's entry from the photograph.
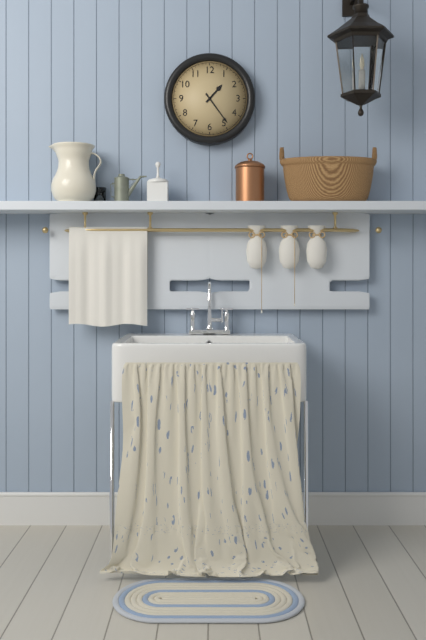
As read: 1.24
